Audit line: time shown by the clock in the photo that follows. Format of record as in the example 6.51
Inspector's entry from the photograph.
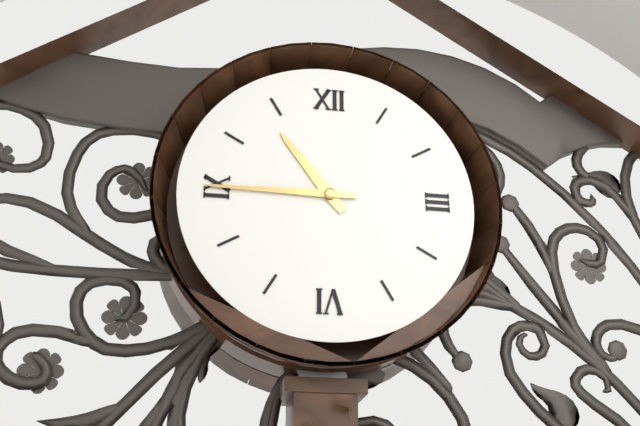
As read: 10.45
